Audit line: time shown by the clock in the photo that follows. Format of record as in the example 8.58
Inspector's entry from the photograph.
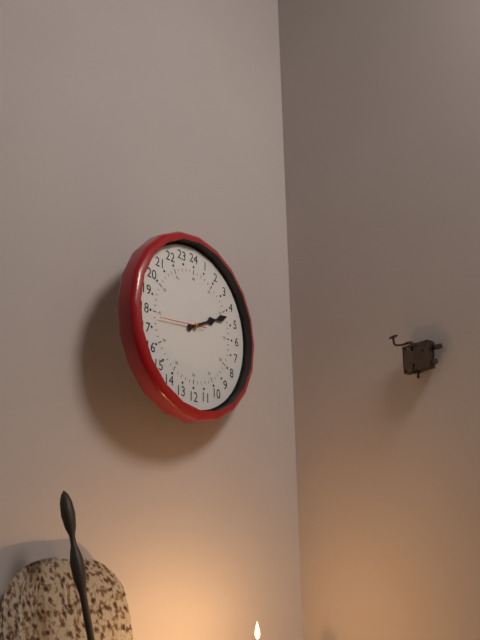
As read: 2.11
